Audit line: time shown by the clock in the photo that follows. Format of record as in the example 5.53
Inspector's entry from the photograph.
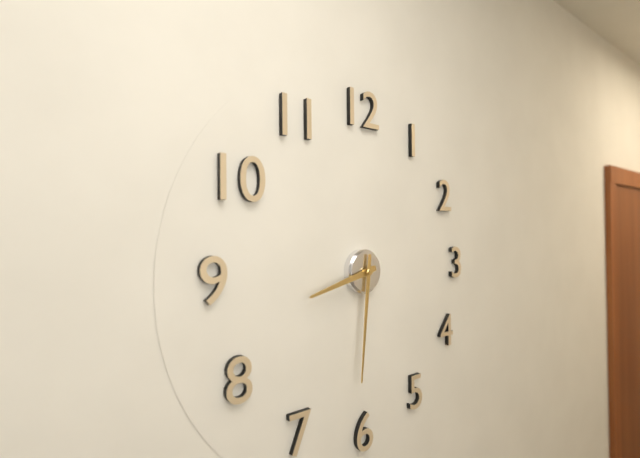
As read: 8.31
